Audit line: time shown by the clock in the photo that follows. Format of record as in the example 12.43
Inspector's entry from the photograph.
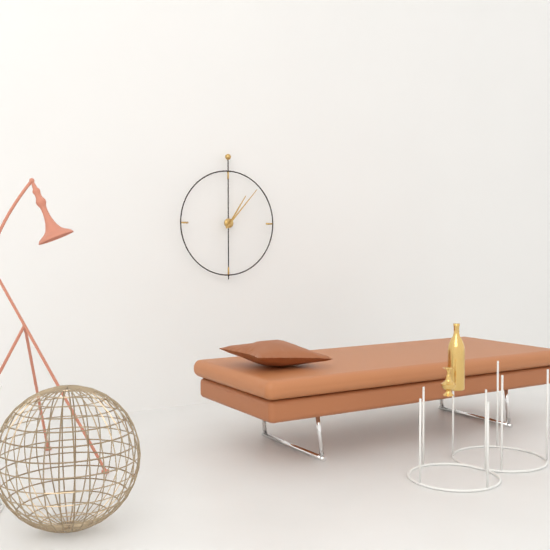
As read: 1.07
